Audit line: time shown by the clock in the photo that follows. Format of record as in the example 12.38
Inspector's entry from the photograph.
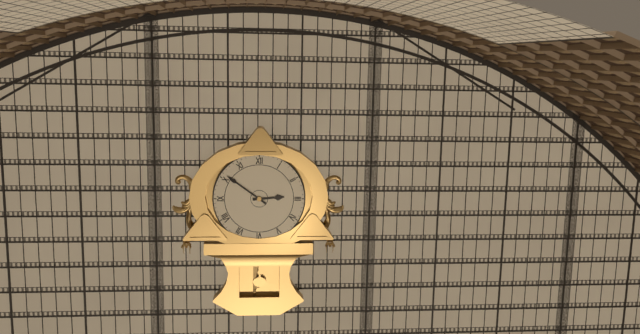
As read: 2.51
